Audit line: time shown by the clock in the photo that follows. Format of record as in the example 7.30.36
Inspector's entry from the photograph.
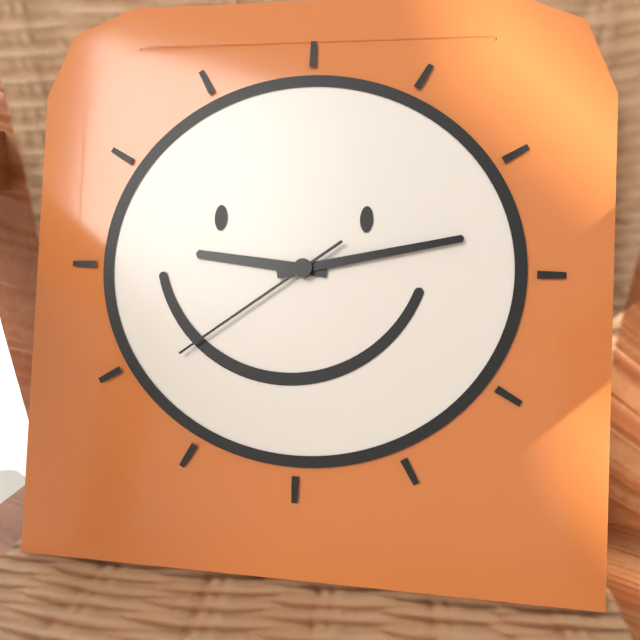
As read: 9.13.39
